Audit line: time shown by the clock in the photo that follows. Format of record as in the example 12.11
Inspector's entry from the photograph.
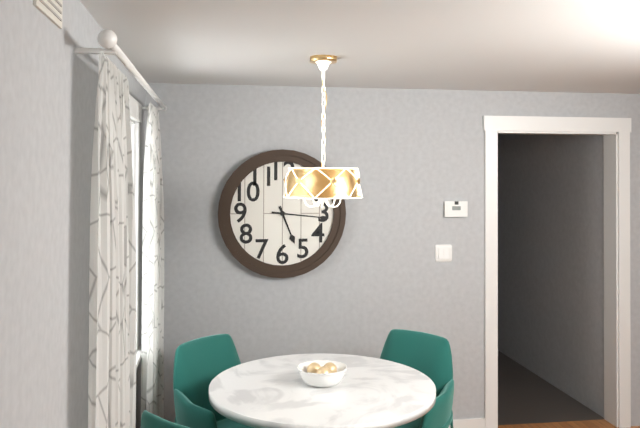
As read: 5.16
